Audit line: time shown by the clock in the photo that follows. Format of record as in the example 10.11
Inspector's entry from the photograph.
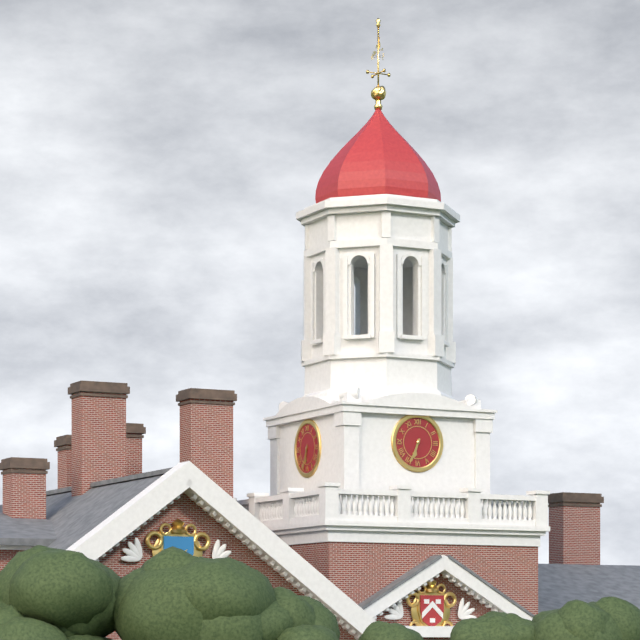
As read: 6.34
